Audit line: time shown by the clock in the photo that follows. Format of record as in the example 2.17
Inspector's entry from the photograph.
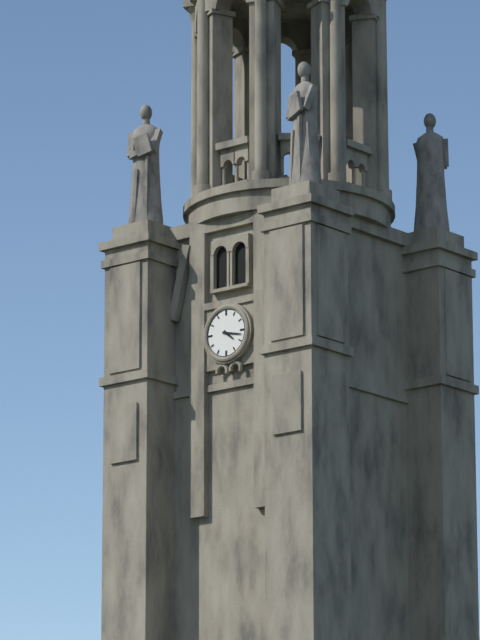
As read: 4.17
